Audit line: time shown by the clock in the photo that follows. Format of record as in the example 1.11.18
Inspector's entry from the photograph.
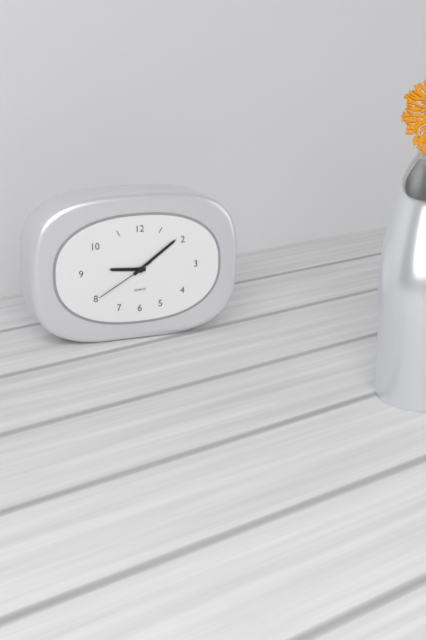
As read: 9.09.40
